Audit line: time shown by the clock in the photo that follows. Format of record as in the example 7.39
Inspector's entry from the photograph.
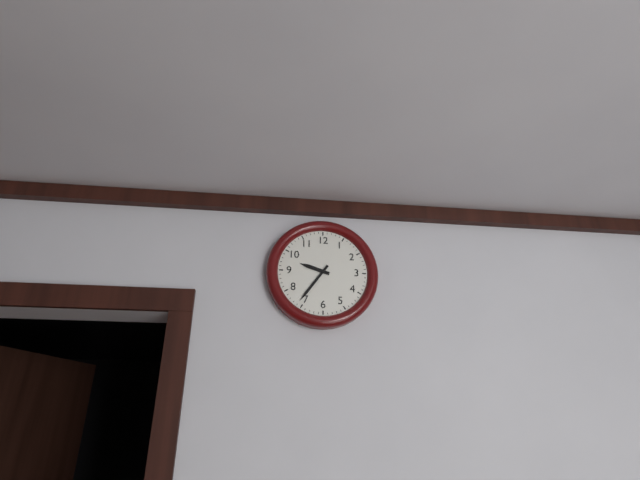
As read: 9.36
